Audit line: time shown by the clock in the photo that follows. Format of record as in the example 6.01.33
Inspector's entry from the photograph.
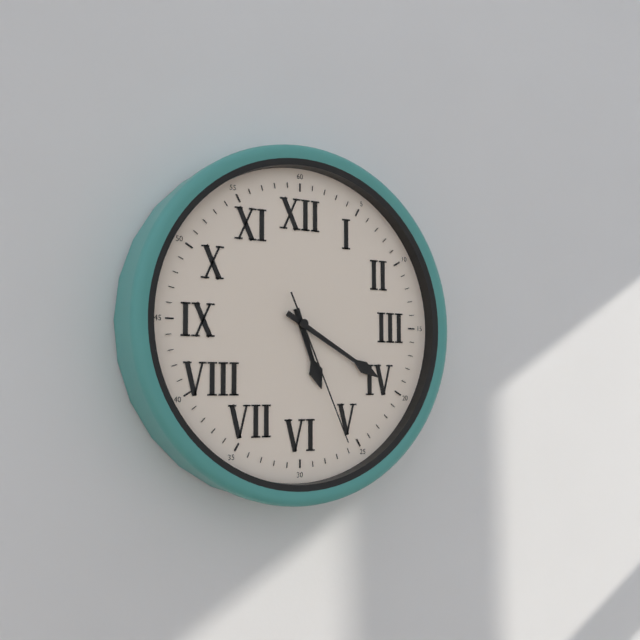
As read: 5.20.26
